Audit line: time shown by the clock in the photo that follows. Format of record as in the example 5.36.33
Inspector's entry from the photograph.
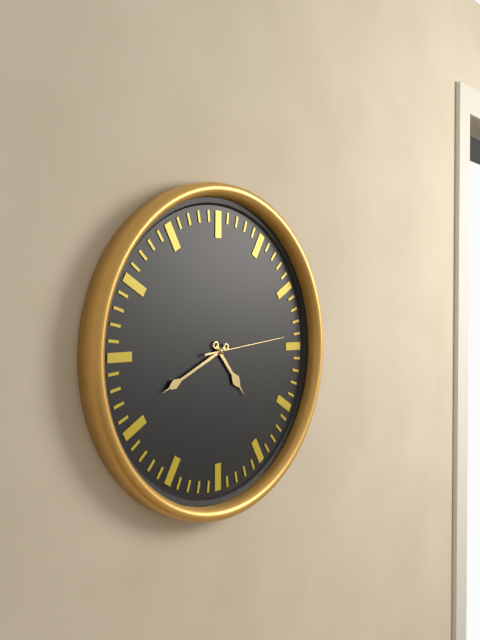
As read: 4.41.14
